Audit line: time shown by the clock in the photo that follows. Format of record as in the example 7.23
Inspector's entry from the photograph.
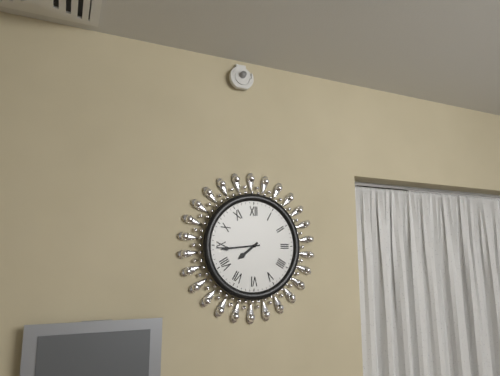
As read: 7.44
